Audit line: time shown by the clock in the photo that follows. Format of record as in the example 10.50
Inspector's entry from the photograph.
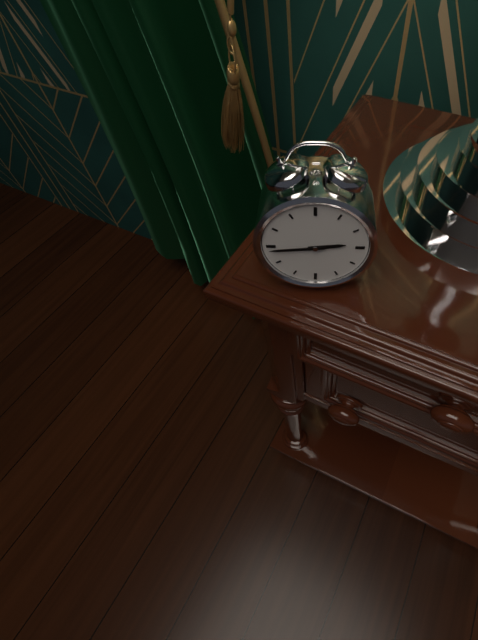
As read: 2.44
